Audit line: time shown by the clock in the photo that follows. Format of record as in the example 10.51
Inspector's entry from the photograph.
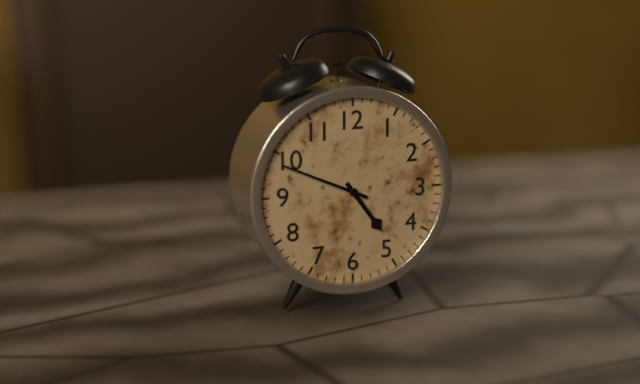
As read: 4.49
